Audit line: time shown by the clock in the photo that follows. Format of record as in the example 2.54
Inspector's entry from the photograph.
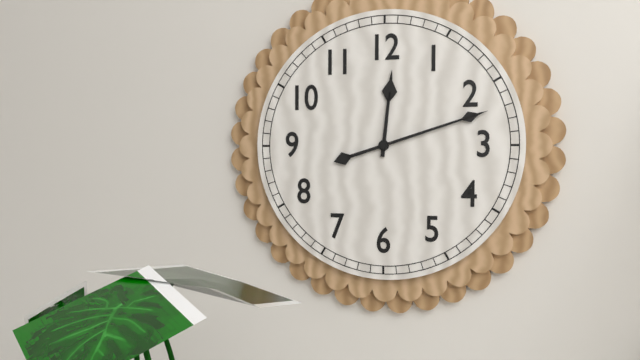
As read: 12.12
